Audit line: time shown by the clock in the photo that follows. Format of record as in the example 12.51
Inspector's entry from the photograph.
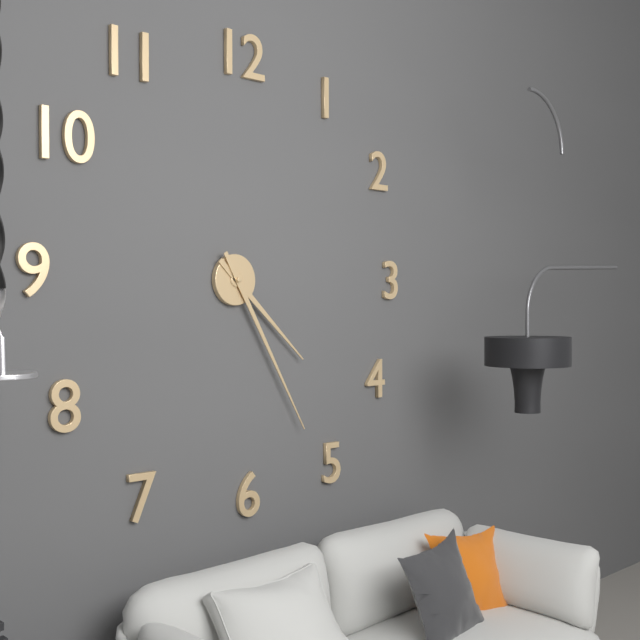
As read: 4.25
